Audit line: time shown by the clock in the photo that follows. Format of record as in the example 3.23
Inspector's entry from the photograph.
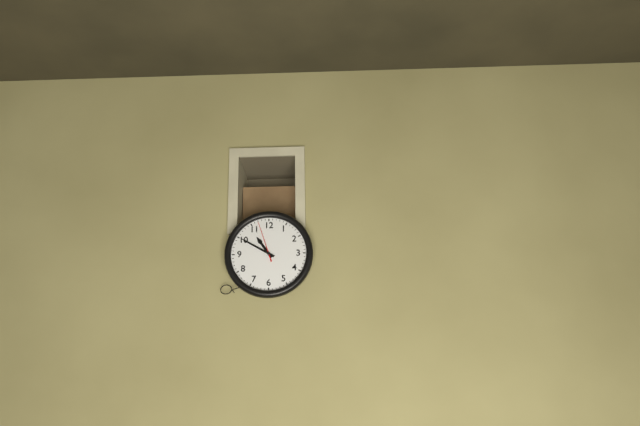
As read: 10.50
